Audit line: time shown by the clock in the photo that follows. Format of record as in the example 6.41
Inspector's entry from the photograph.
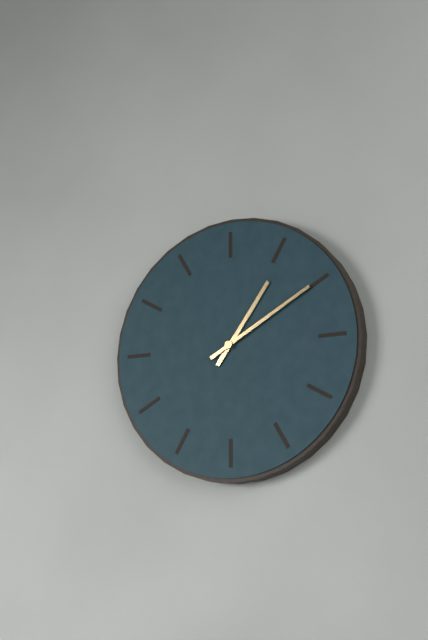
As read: 1.10
